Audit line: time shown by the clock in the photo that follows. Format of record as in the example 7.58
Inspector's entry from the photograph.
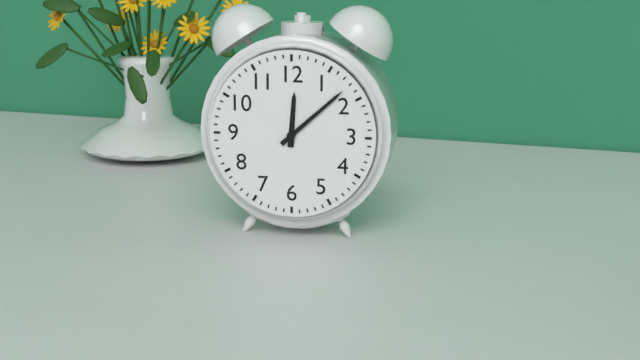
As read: 12.08
